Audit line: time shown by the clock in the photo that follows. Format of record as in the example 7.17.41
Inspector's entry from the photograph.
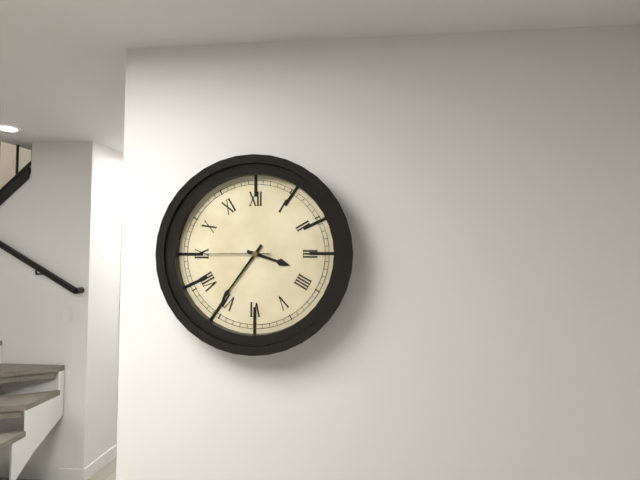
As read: 3.36.45
